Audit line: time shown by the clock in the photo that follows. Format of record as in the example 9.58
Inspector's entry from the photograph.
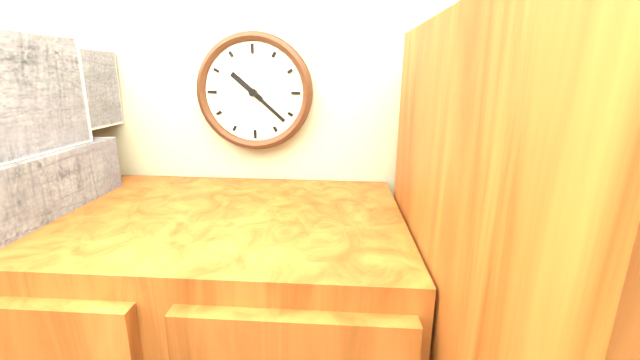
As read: 10.22
